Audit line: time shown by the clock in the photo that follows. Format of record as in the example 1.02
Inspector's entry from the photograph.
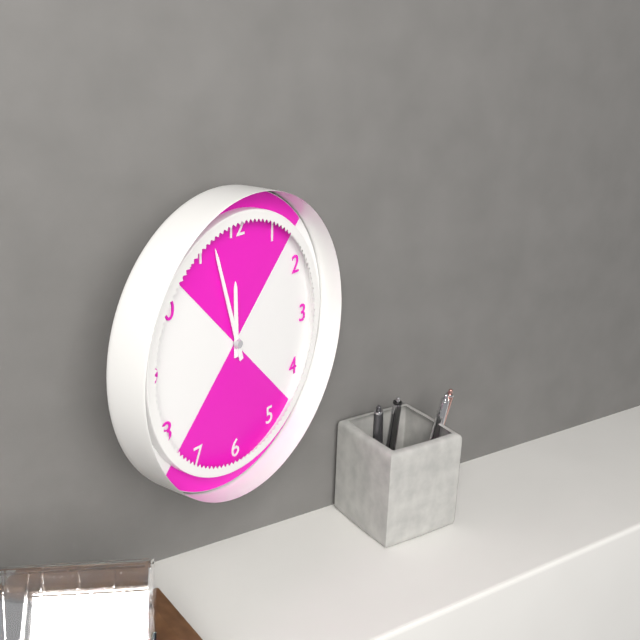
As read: 11.57
